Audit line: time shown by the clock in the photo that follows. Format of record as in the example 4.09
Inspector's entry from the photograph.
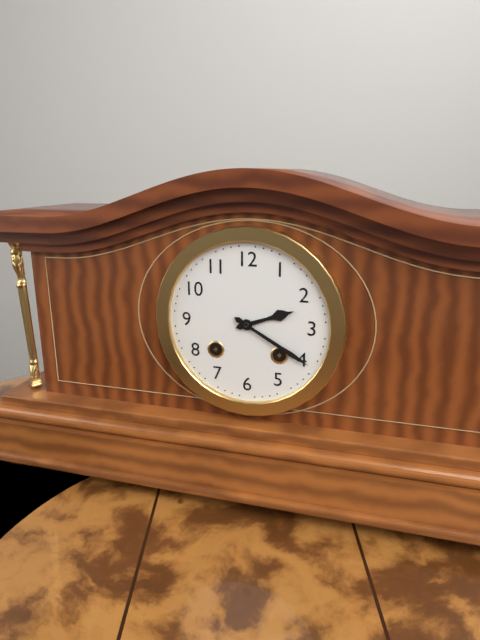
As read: 2.20
